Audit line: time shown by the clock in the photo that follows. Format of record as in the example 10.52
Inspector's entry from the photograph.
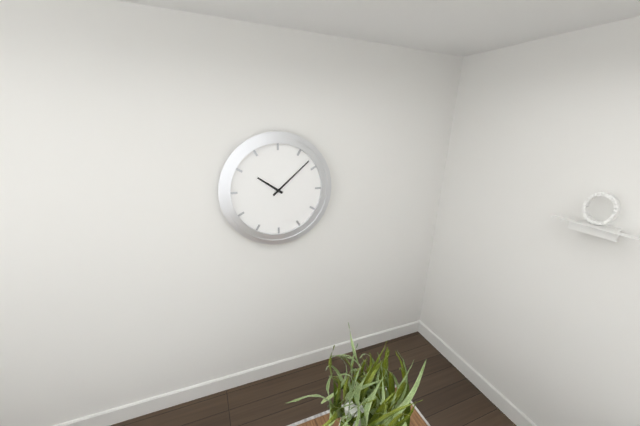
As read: 10.08
